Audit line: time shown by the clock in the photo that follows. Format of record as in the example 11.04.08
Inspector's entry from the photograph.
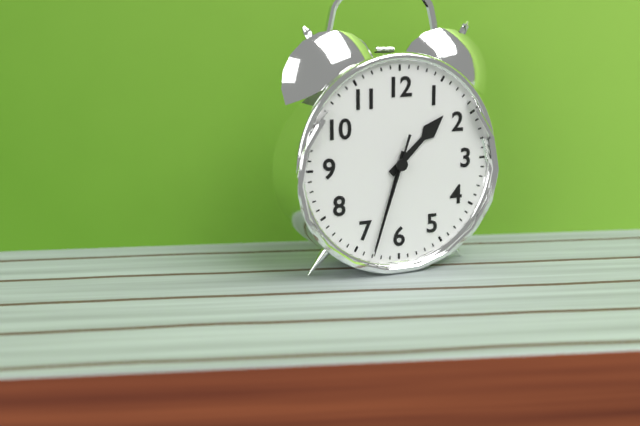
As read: 1.33.33
